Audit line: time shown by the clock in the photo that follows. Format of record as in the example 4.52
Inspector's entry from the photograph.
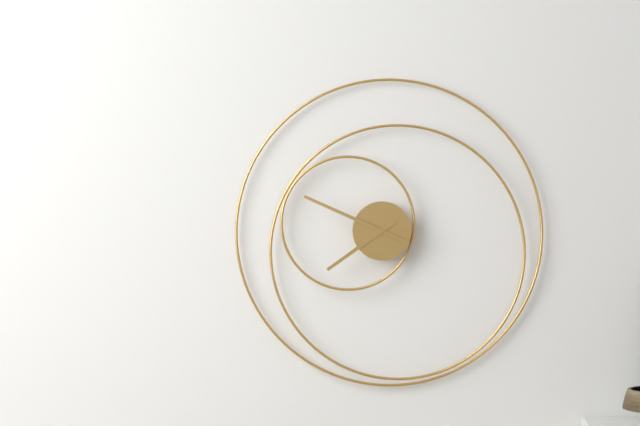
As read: 7.49
